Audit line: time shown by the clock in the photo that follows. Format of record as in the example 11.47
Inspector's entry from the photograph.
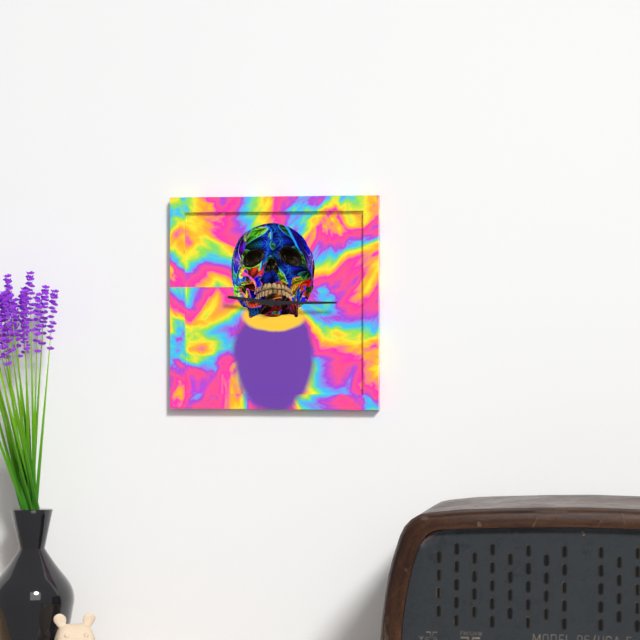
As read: 9.15
